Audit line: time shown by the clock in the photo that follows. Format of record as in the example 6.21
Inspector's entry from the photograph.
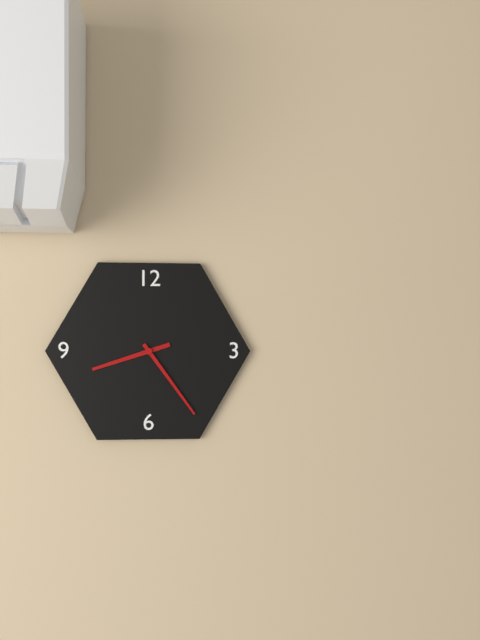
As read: 8.24
